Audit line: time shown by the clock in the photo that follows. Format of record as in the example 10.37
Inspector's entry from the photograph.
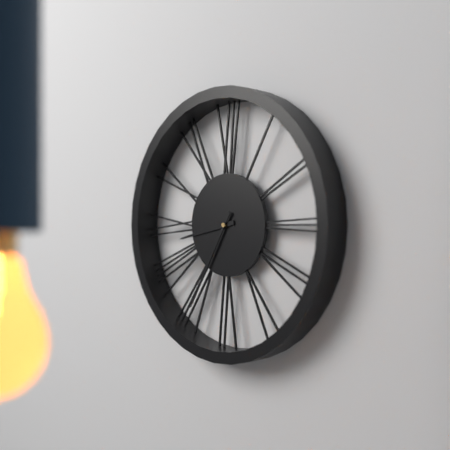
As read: 8.35
